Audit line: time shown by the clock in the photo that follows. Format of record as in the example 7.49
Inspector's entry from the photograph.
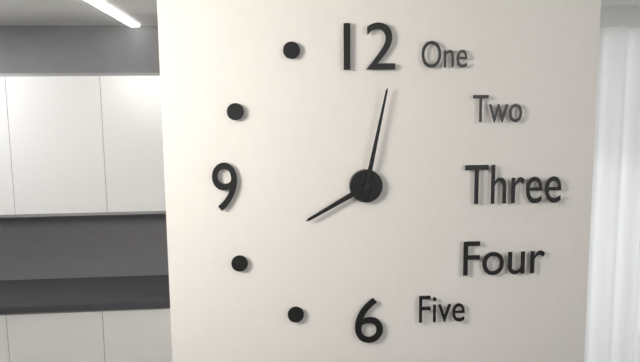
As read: 8.02
